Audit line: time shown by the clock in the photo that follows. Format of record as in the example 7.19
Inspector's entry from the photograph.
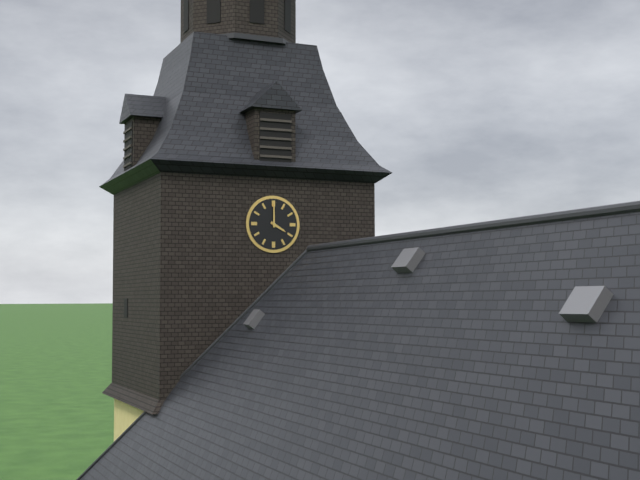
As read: 4.00
